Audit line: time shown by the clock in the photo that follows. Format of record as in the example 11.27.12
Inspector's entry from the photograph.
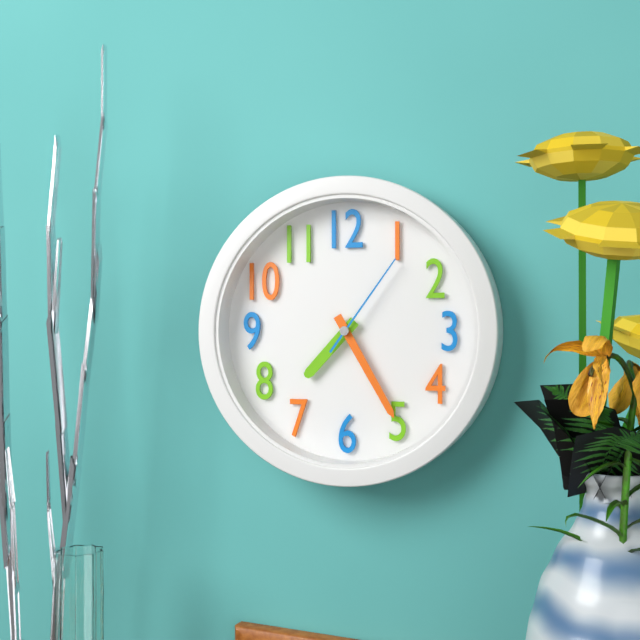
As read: 7.25.06
